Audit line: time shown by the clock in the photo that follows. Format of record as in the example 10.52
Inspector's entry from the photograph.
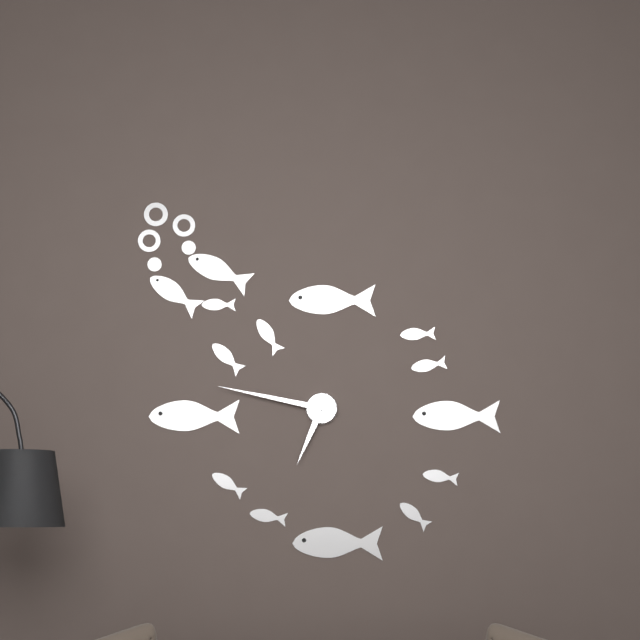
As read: 6.47
